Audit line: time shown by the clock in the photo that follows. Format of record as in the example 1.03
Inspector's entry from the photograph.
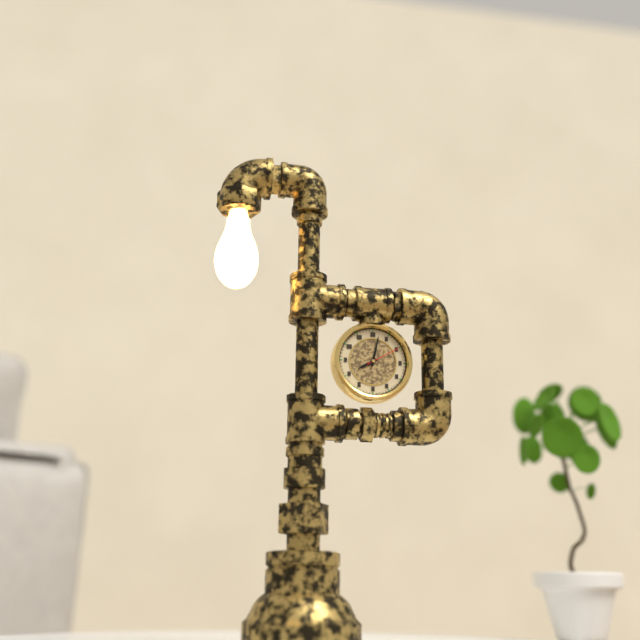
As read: 8.02
